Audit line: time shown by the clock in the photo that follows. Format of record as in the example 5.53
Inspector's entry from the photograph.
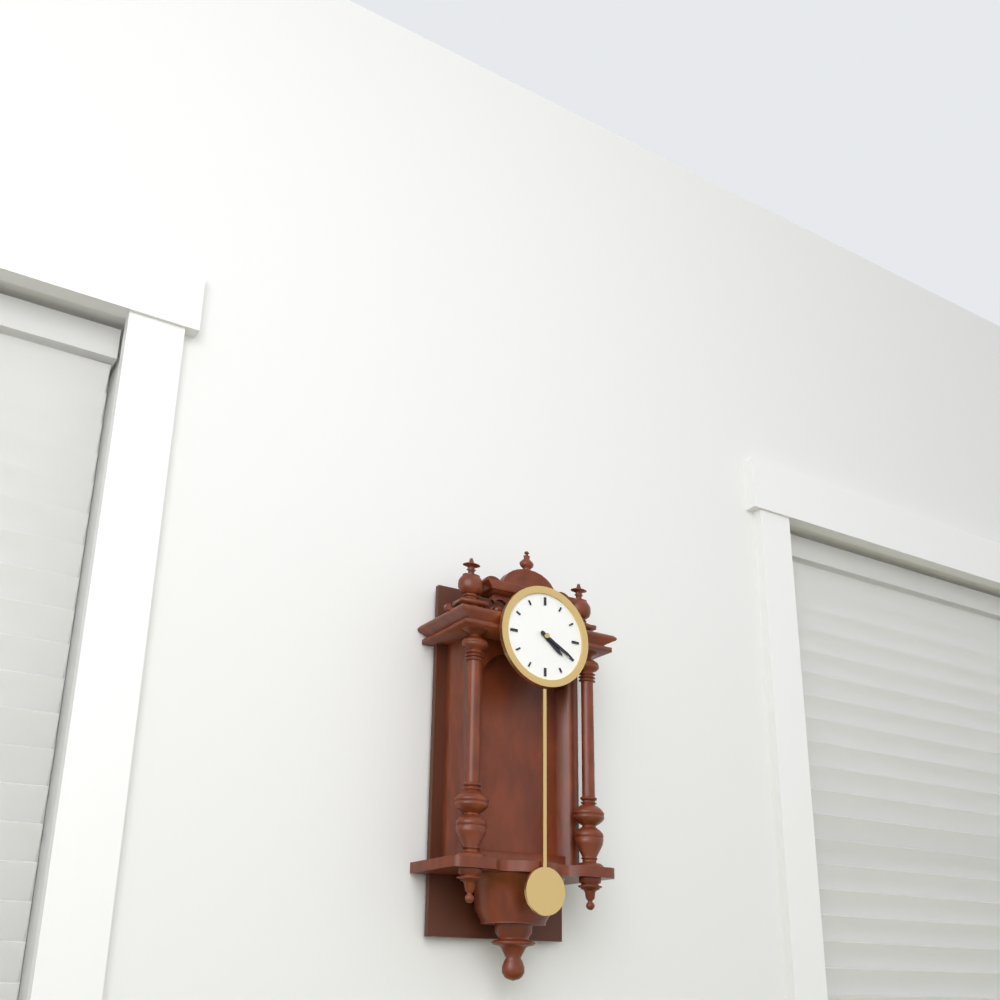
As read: 4.20
